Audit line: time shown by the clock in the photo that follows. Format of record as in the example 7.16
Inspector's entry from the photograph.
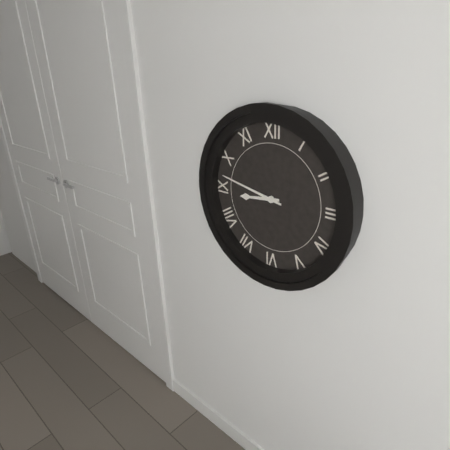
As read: 8.47
